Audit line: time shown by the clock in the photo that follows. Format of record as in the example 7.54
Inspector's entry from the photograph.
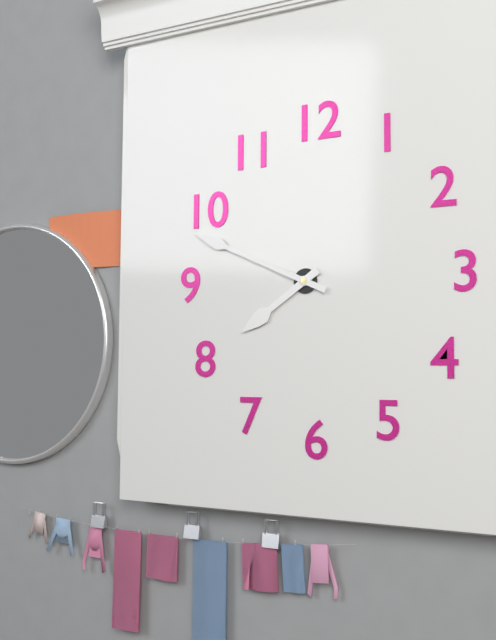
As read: 7.49
